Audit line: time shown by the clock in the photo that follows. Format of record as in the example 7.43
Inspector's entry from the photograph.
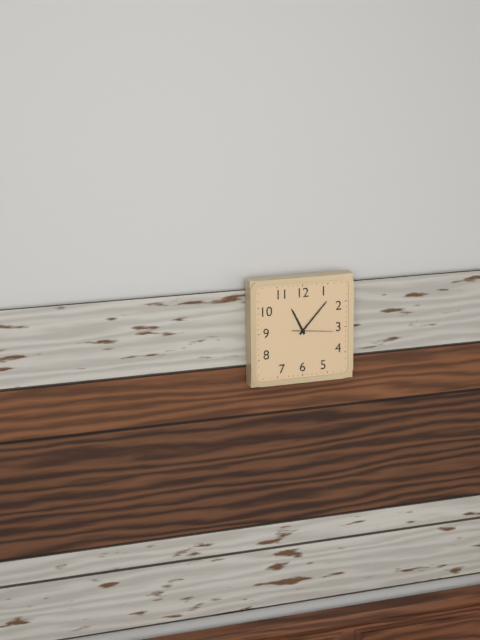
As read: 11.07
